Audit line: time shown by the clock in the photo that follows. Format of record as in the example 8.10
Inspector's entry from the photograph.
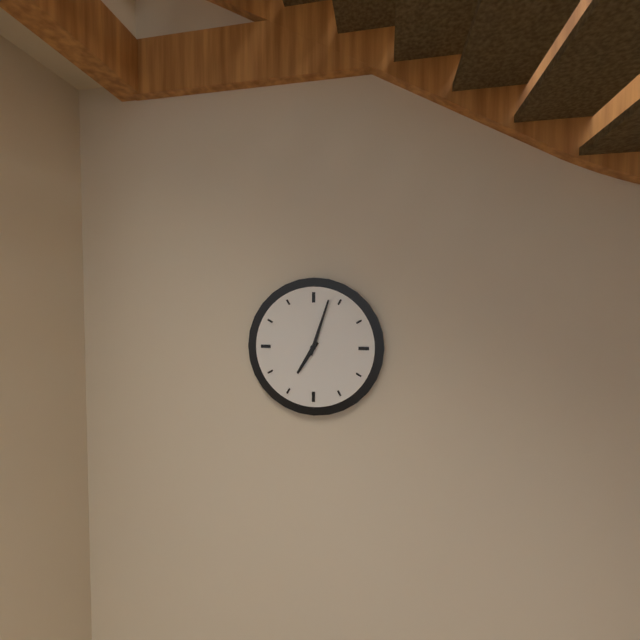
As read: 7.03
